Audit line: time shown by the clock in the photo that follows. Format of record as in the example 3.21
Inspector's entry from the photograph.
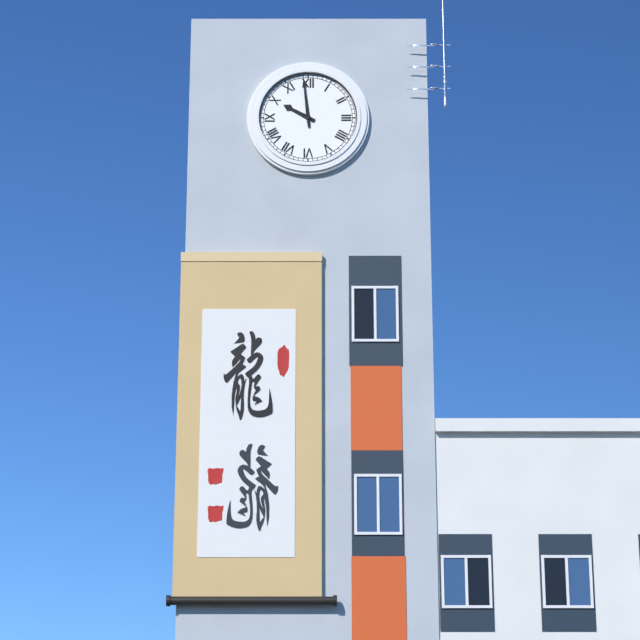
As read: 9.59
